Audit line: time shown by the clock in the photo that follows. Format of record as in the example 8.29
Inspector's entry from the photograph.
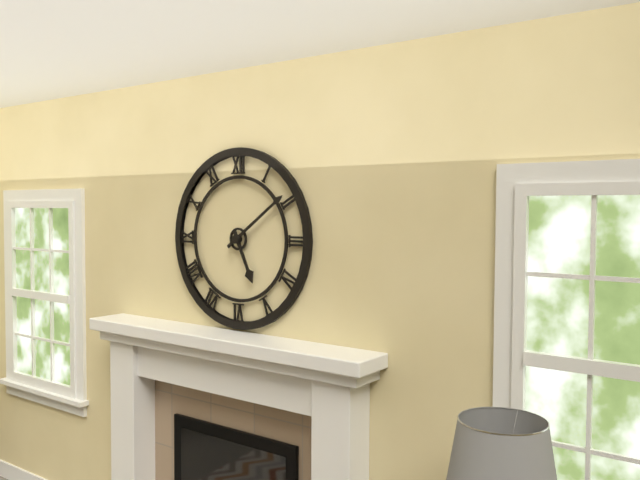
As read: 5.09
